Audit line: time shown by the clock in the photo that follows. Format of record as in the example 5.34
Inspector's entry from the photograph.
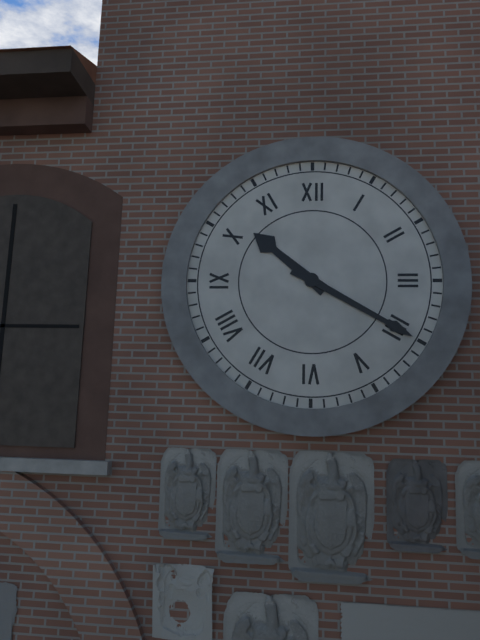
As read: 10.20
